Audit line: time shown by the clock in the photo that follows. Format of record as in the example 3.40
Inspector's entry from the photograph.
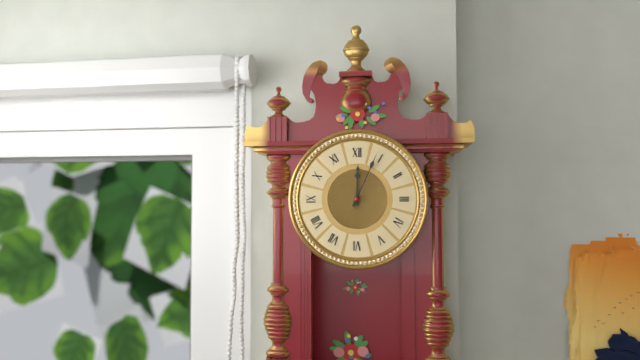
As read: 12.04
